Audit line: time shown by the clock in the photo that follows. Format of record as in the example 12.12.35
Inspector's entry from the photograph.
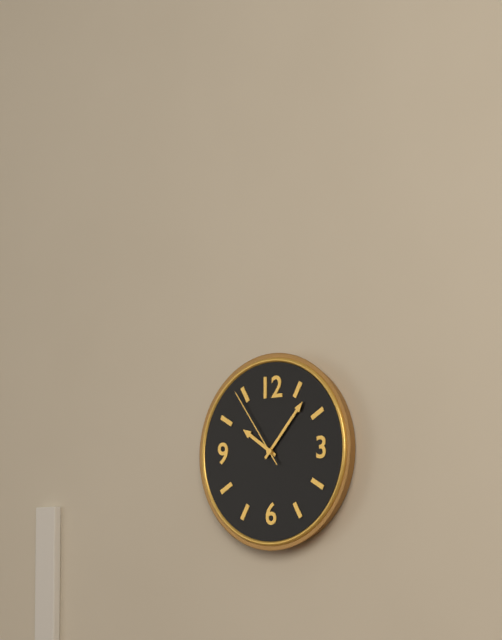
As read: 10.07.54
